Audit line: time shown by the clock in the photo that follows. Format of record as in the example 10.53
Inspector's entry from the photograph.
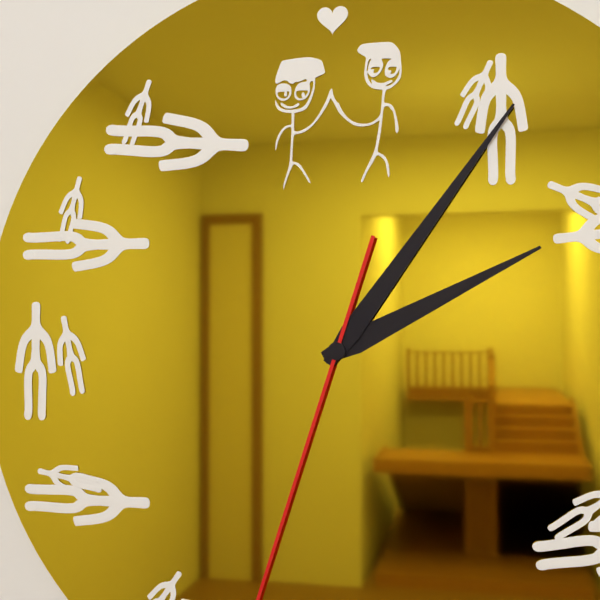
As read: 2.06
